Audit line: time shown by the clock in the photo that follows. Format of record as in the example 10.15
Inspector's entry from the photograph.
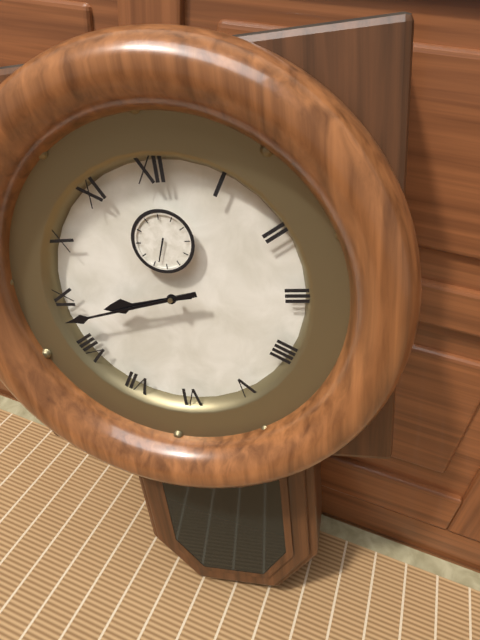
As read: 8.43
